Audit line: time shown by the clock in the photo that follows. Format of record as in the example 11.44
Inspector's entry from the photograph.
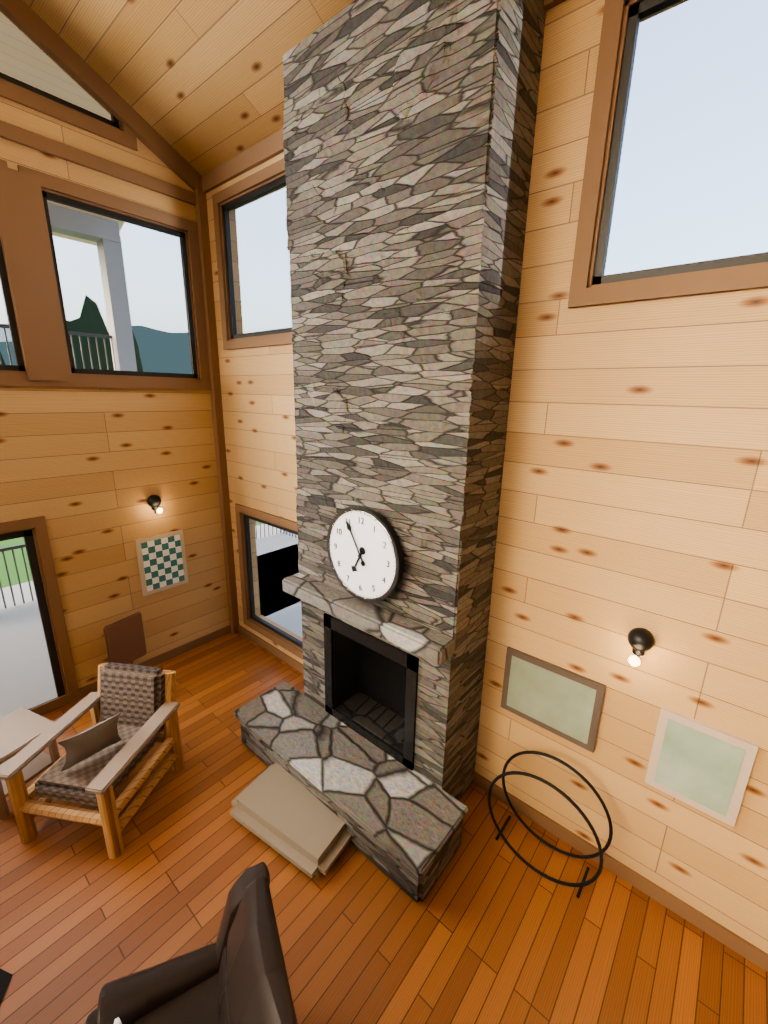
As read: 6.55
